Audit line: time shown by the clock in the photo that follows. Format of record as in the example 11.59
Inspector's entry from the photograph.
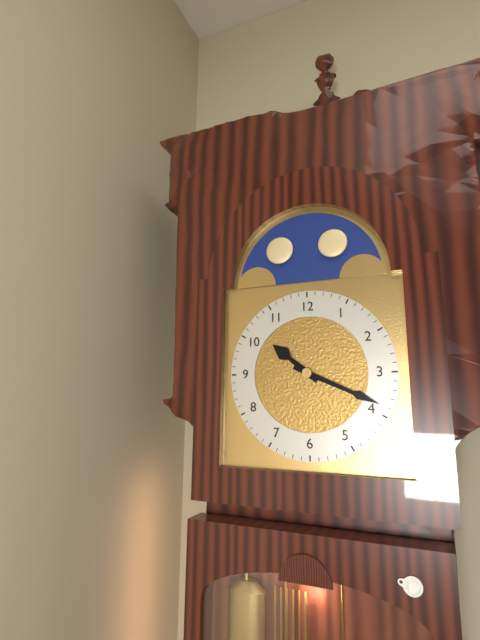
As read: 10.19
